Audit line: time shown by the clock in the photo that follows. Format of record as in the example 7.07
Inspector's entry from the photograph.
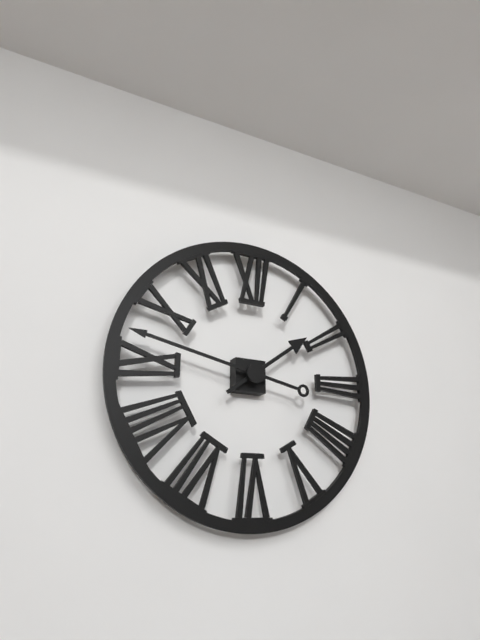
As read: 1.47
